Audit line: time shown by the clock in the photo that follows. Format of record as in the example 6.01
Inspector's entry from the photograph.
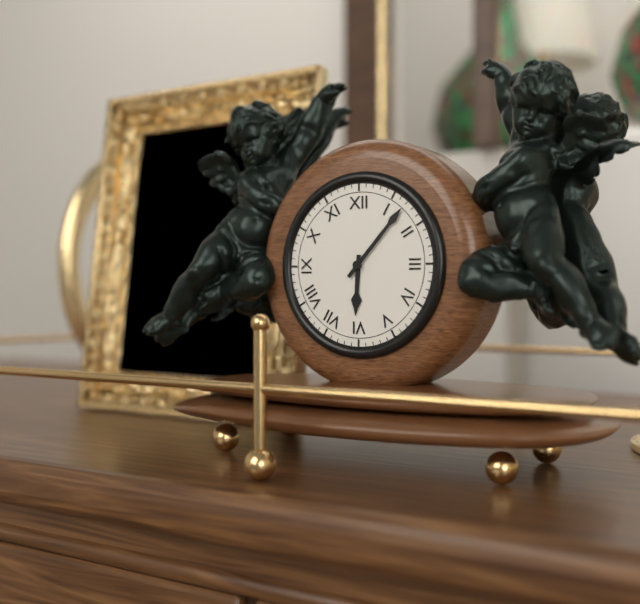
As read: 6.07
